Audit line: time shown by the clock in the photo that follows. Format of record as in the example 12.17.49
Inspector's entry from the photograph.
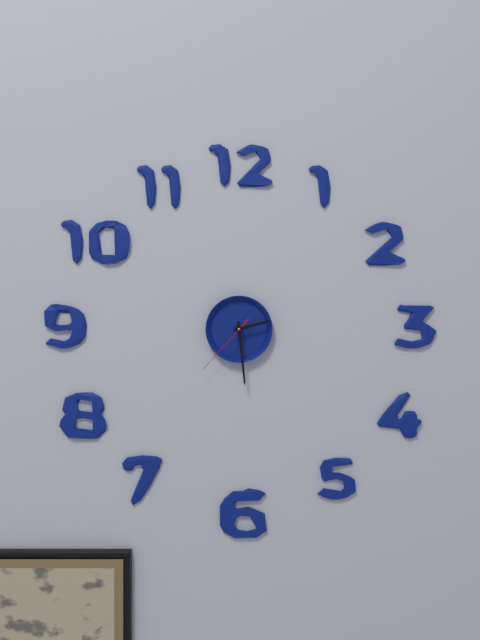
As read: 2.29.37
